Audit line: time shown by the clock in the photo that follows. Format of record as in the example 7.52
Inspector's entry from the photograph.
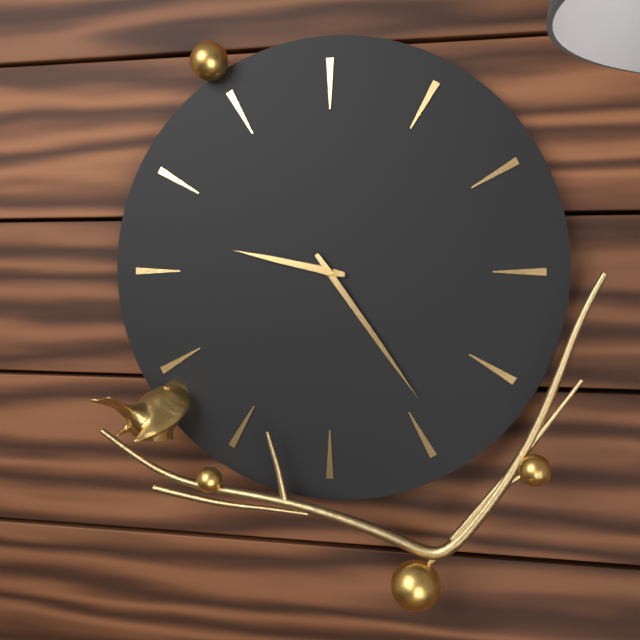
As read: 9.24
